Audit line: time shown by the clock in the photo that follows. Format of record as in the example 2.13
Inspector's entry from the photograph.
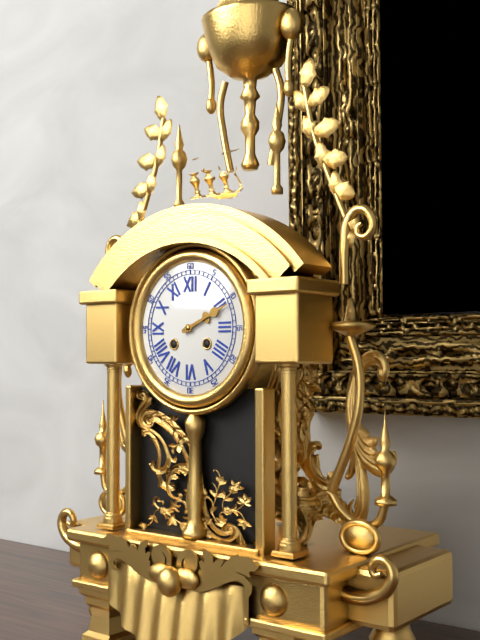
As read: 2.11
